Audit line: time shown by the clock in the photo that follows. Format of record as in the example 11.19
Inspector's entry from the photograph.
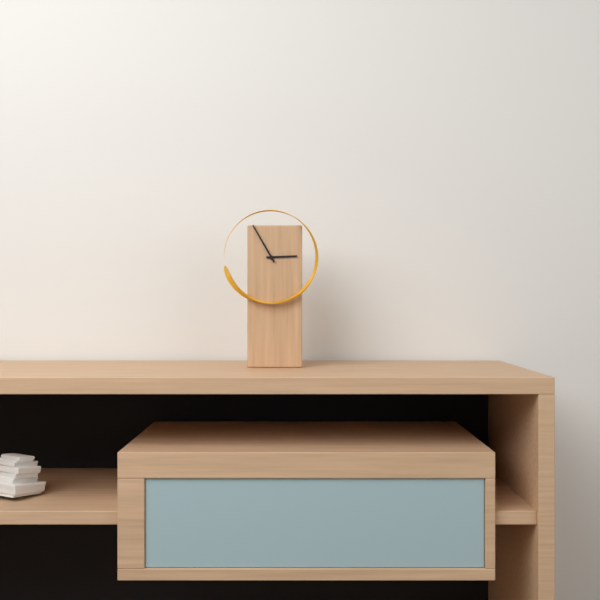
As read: 2.55
